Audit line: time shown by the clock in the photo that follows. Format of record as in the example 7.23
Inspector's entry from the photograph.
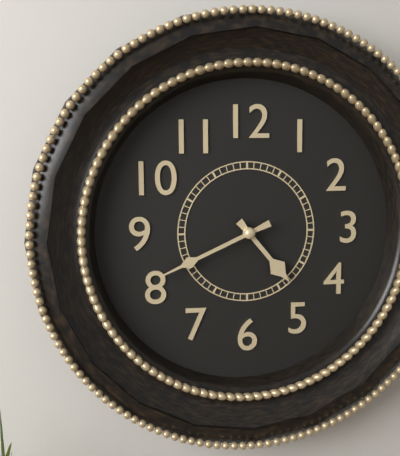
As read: 4.41
